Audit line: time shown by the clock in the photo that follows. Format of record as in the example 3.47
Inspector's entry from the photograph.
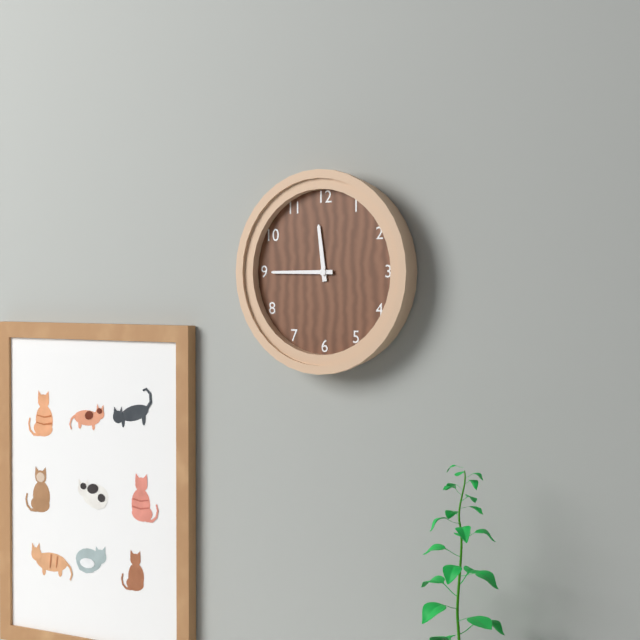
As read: 11.45
